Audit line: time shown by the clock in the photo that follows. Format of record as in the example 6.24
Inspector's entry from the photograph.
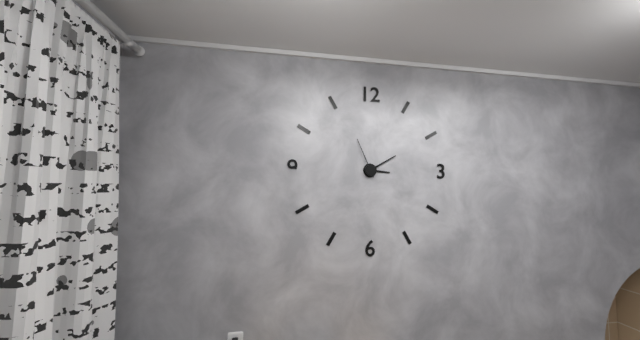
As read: 3.10
